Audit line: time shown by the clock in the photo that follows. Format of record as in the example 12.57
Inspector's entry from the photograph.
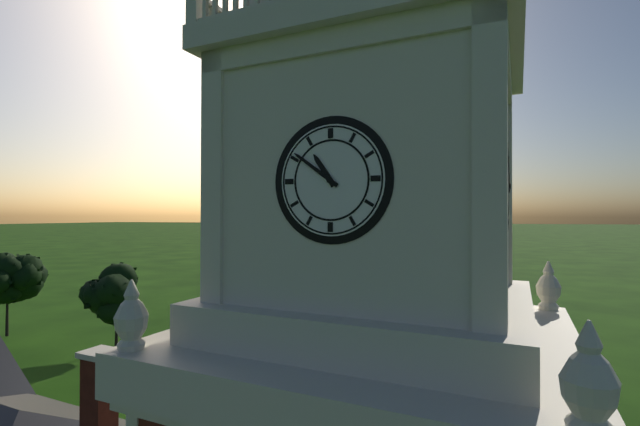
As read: 10.51
